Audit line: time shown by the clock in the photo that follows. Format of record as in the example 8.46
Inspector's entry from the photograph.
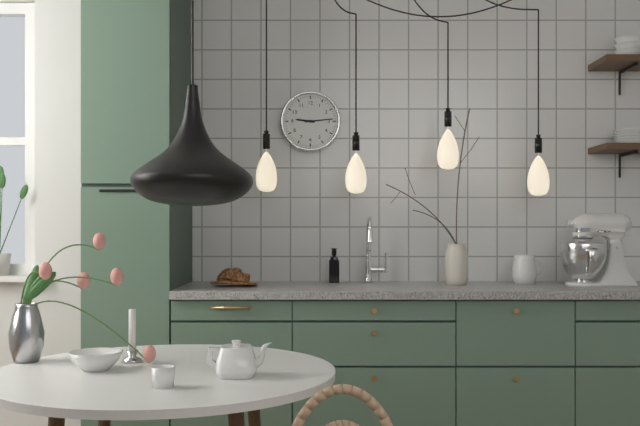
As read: 9.14
